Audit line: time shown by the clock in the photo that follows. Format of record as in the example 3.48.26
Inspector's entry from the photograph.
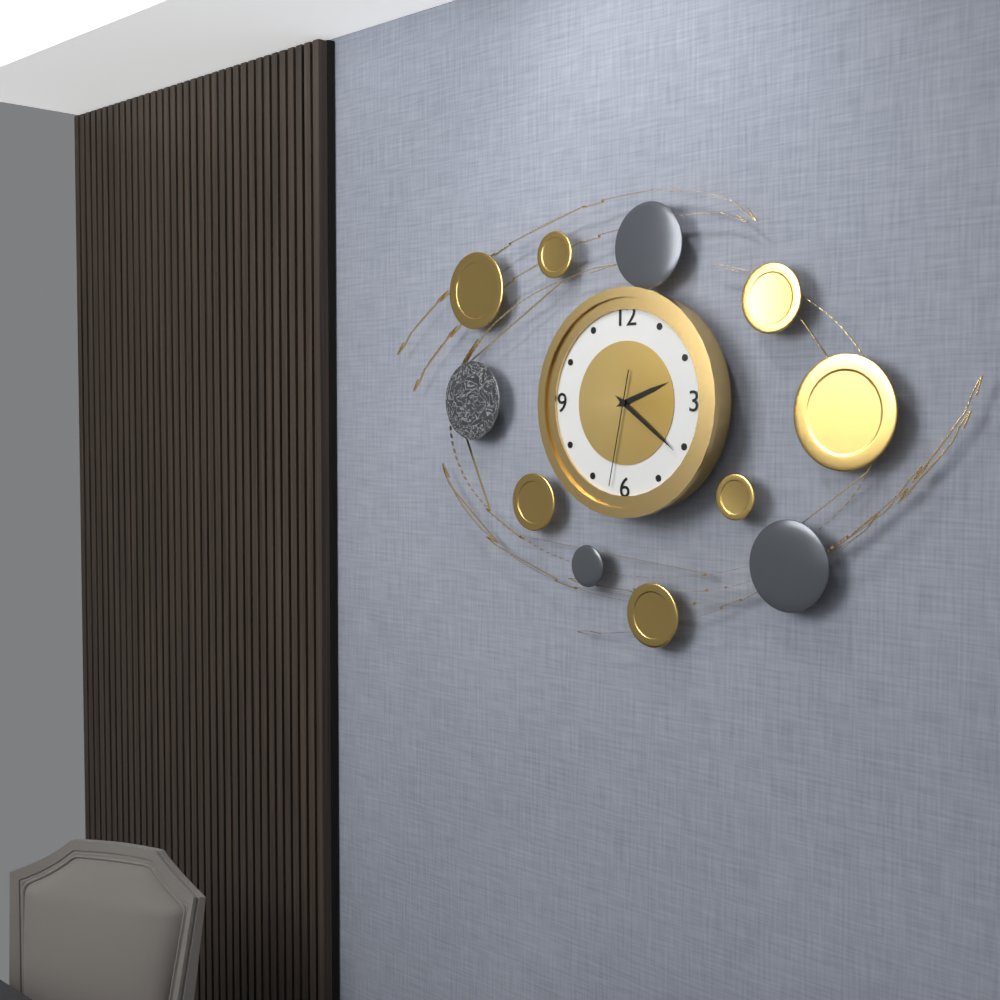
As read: 2.21.32
